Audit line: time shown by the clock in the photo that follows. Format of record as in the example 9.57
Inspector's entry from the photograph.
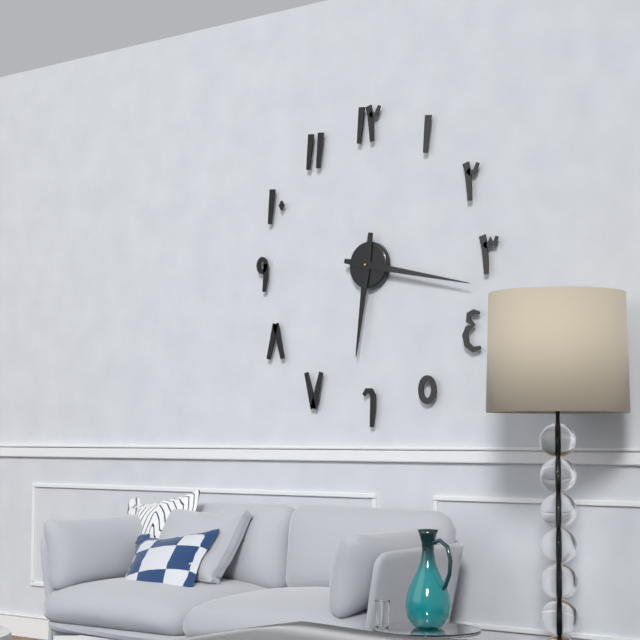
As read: 6.17
